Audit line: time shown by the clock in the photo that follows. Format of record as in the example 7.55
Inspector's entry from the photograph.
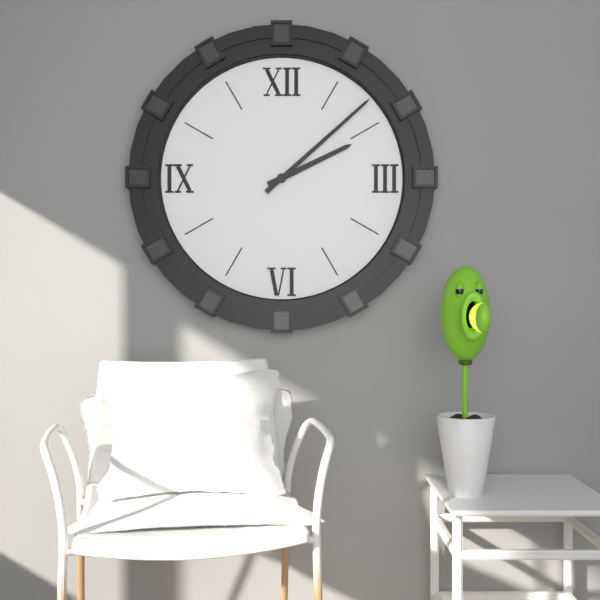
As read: 2.08
